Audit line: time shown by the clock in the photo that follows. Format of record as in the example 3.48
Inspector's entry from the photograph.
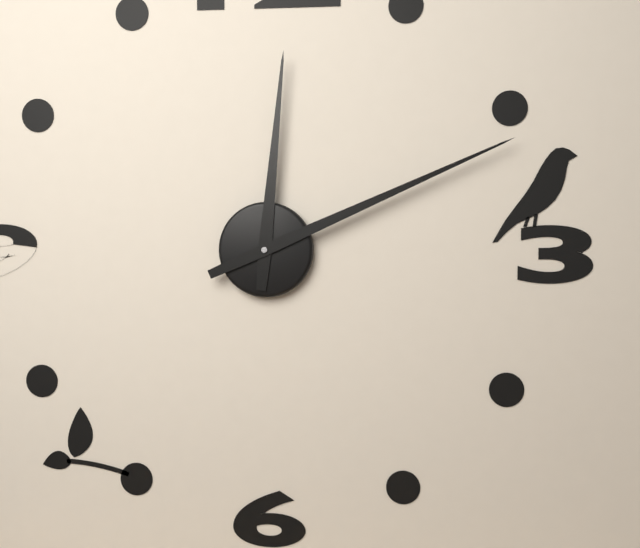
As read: 12.11
